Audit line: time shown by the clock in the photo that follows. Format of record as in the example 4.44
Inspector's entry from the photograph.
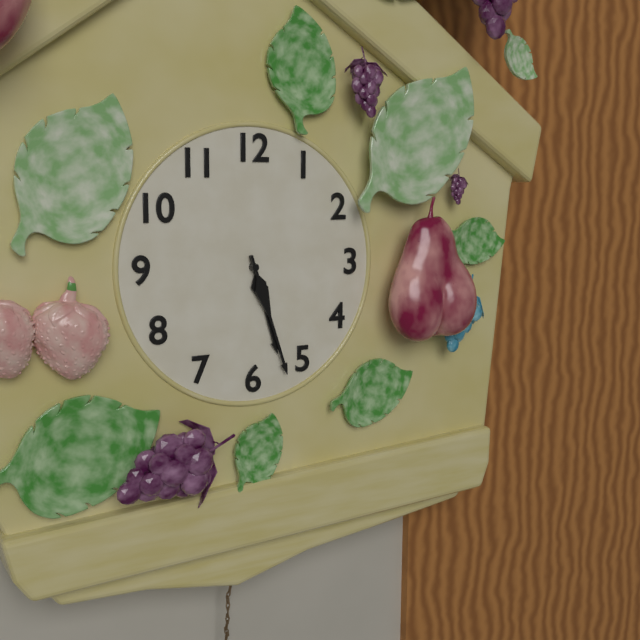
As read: 5.27
